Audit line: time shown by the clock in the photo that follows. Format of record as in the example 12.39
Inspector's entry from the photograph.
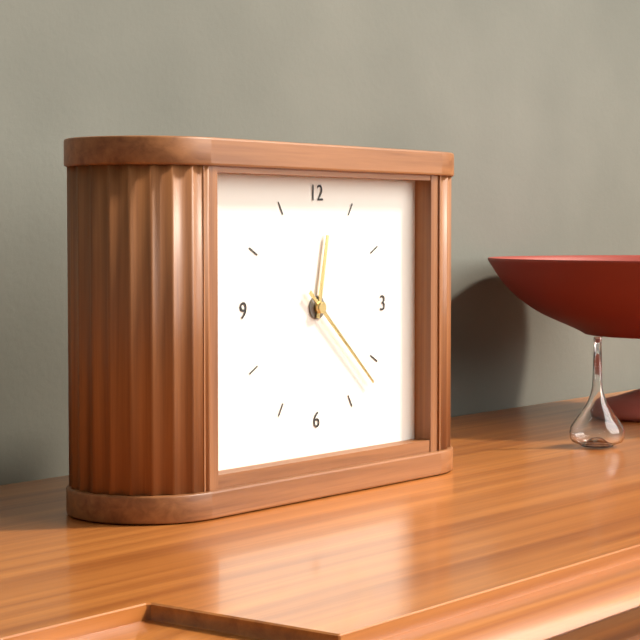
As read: 12.22
